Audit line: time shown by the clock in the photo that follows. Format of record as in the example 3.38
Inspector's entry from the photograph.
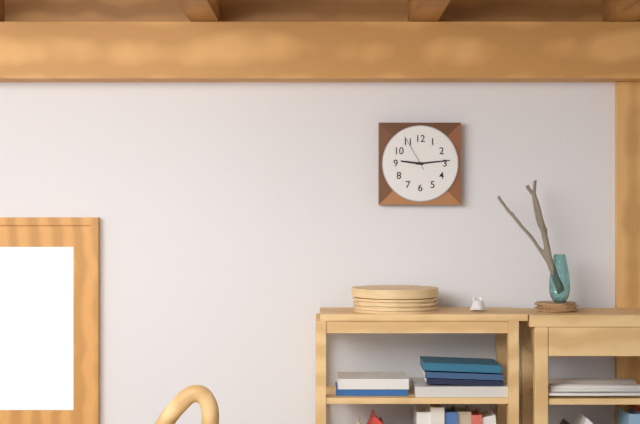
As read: 9.14
